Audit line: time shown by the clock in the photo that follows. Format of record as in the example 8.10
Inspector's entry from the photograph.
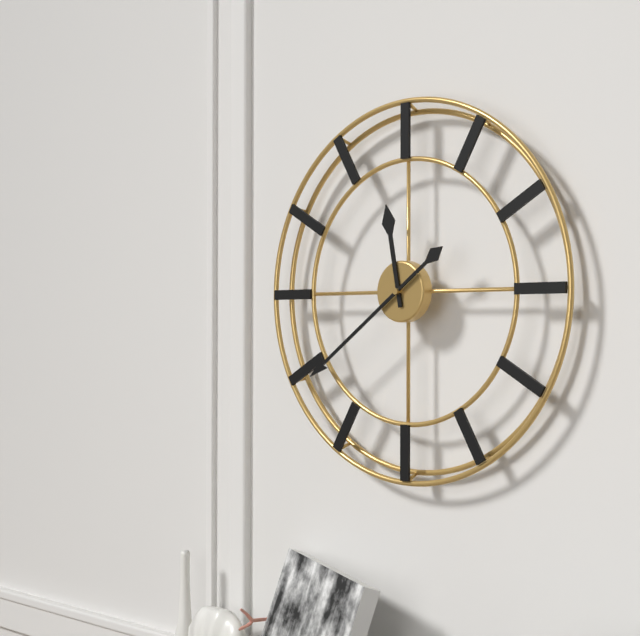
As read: 11.39
